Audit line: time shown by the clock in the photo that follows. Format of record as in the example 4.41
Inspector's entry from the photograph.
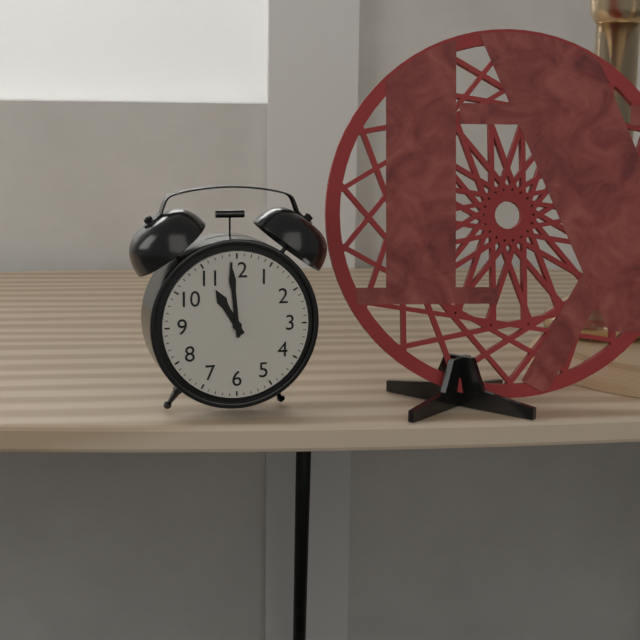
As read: 10.59
